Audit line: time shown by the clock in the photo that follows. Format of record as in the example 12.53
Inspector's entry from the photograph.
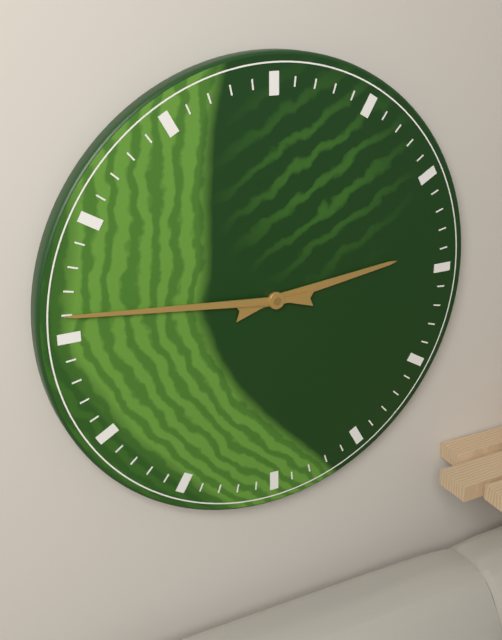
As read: 2.46
